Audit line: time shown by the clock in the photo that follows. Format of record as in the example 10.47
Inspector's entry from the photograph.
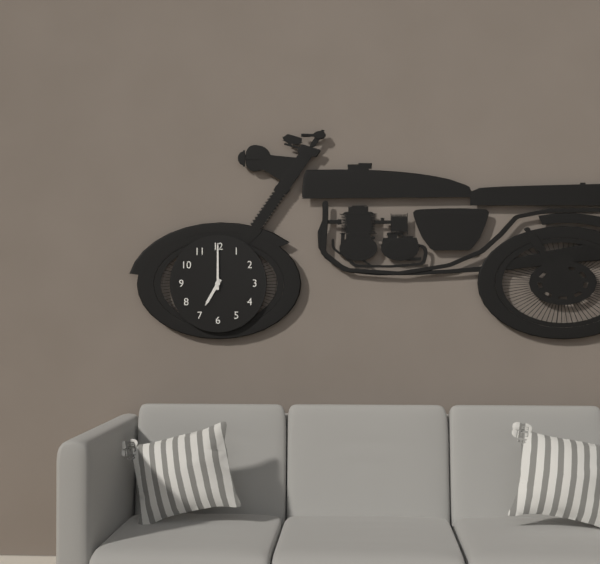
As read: 7.00
